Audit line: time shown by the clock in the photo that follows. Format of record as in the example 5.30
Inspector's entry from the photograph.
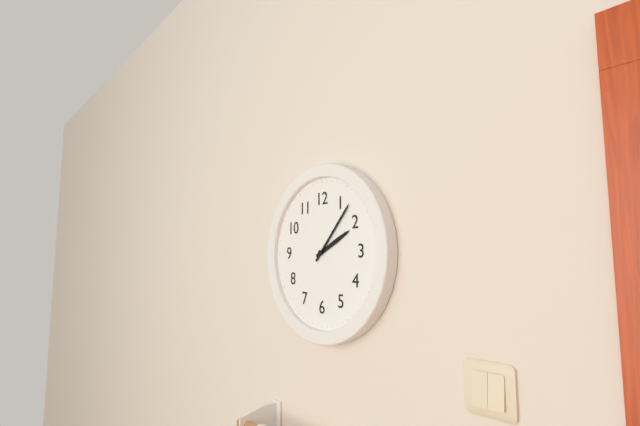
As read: 2.07
